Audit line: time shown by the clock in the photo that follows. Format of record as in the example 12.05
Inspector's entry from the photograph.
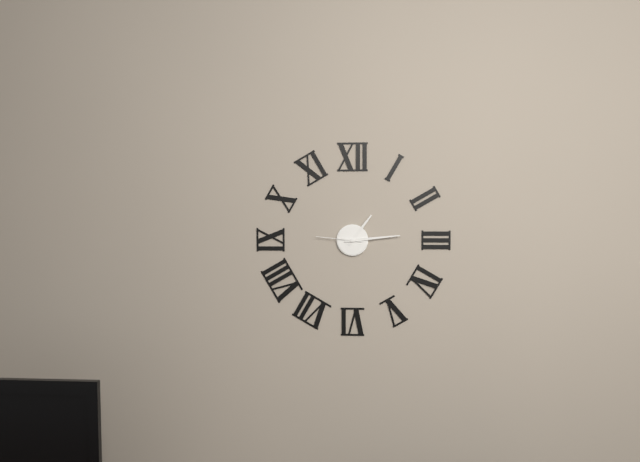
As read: 1.14
